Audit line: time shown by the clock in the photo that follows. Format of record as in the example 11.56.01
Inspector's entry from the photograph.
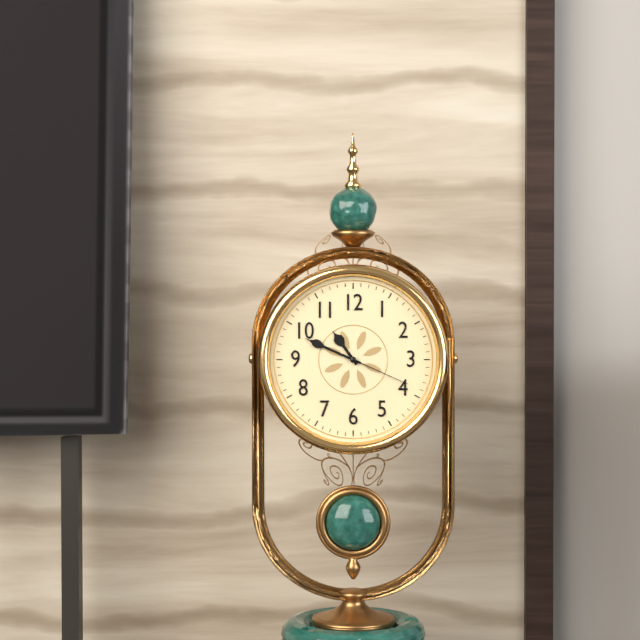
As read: 10.49.19
